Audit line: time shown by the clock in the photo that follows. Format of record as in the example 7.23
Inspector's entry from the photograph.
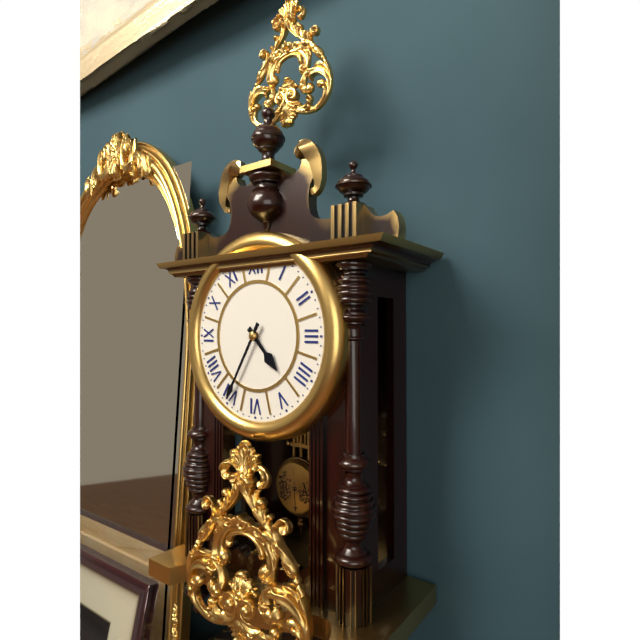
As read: 4.35
